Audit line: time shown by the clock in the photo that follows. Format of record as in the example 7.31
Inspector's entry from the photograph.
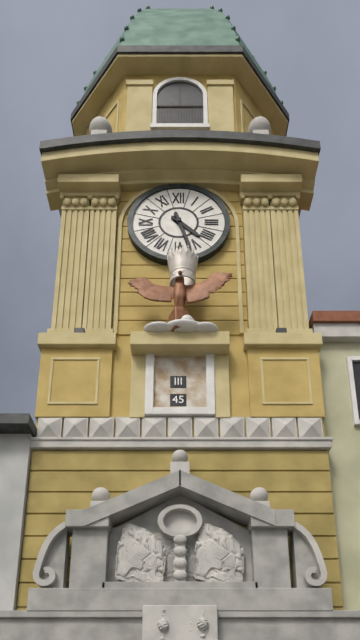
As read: 4.27
